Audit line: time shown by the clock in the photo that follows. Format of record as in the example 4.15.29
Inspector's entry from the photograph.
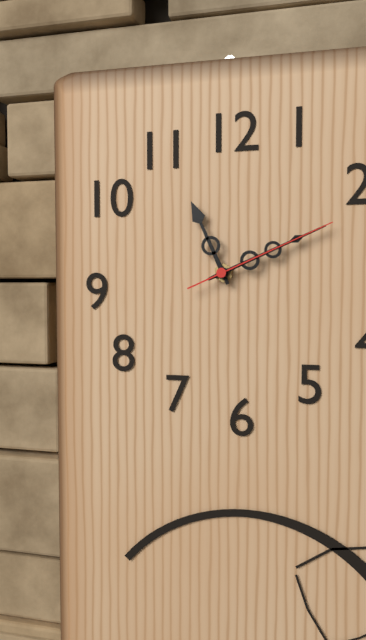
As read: 11.11.11
